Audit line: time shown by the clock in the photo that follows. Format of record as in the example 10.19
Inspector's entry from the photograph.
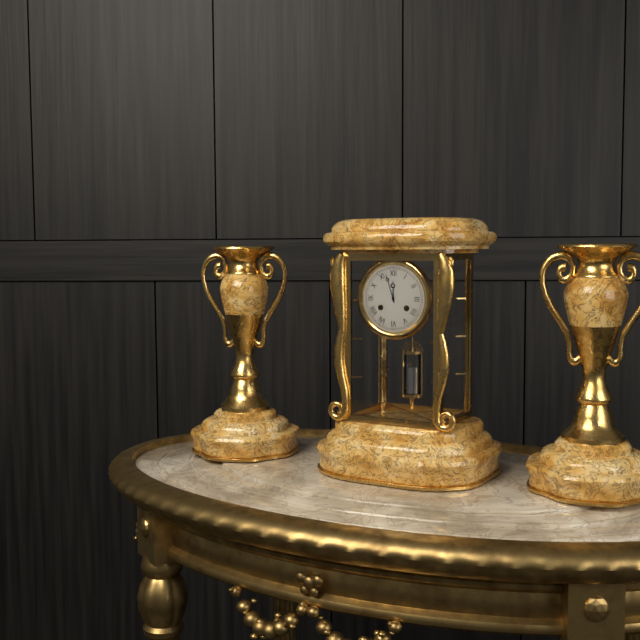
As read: 11.57
